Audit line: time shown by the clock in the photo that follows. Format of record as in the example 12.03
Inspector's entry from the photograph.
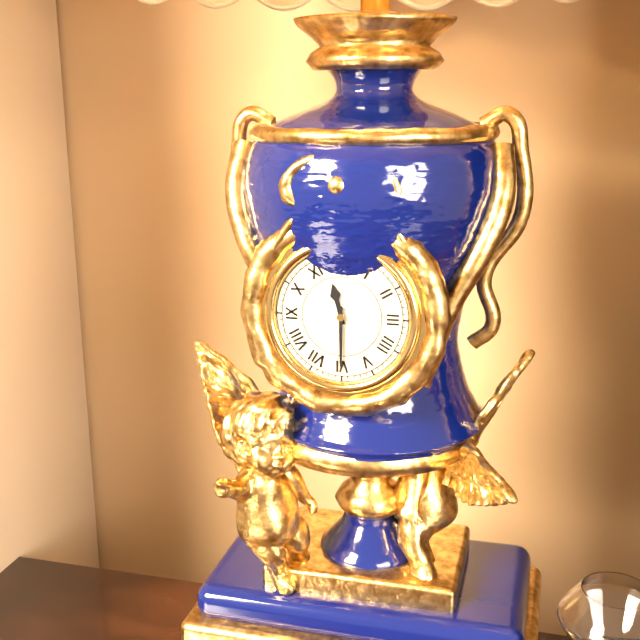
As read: 11.30
